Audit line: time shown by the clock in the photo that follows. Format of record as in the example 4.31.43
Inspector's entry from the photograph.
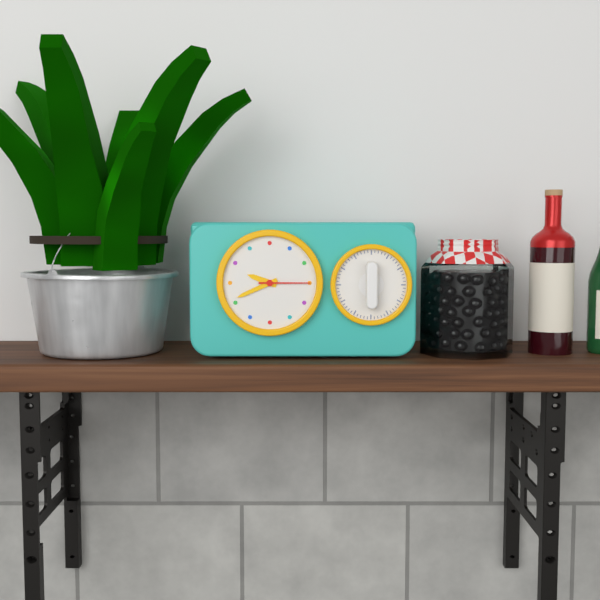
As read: 9.41.15
